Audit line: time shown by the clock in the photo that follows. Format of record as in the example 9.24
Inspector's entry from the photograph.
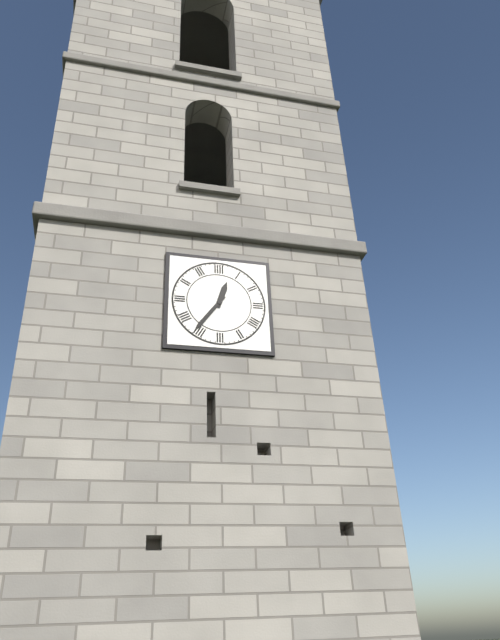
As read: 12.36
